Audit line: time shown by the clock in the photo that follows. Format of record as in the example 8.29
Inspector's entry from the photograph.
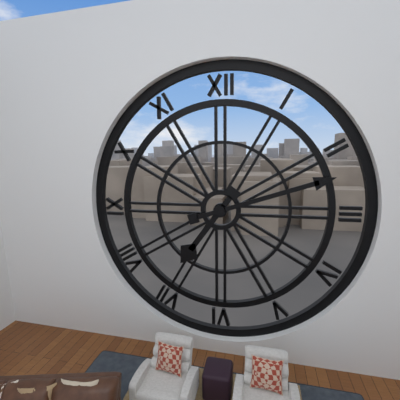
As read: 7.12
